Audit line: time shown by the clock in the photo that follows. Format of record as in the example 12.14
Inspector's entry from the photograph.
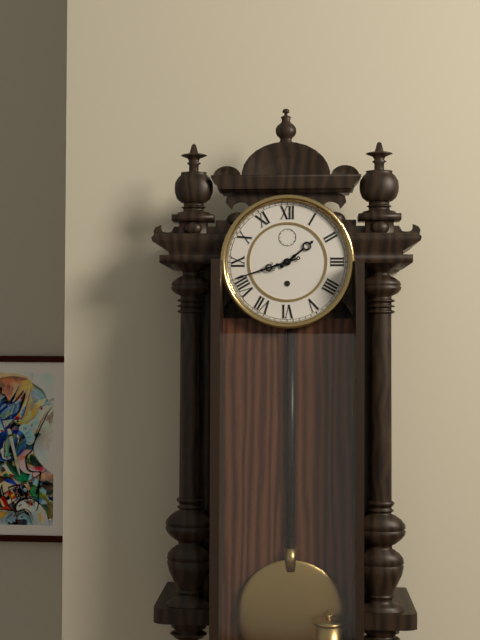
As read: 1.42
